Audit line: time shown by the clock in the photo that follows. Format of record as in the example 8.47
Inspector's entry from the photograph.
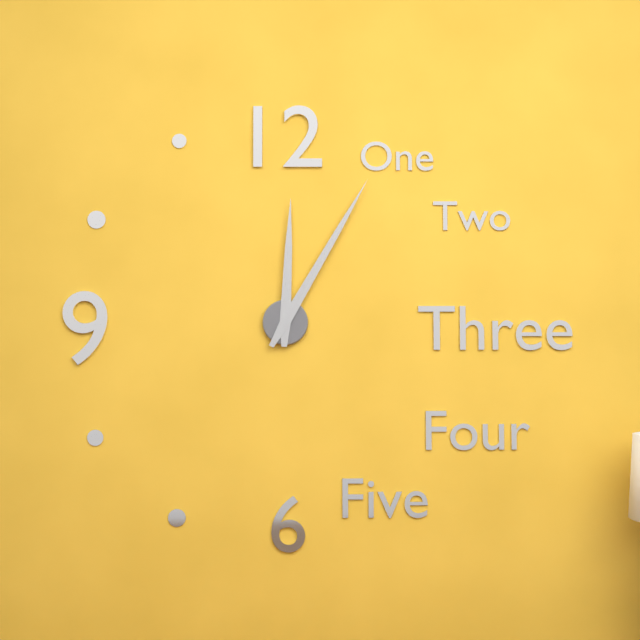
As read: 12.05
